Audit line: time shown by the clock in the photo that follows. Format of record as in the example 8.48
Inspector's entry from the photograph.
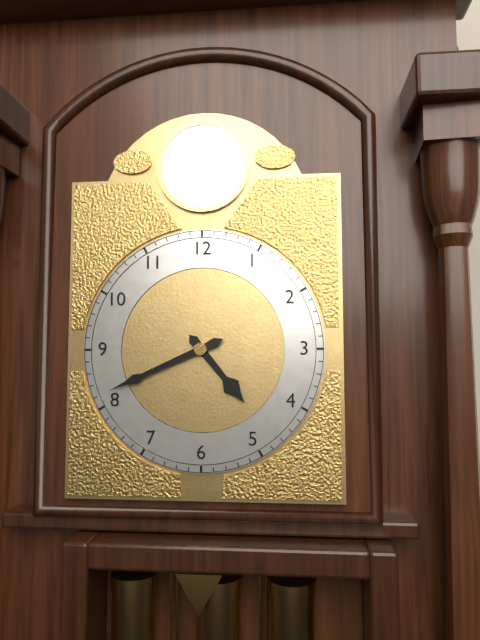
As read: 4.41
